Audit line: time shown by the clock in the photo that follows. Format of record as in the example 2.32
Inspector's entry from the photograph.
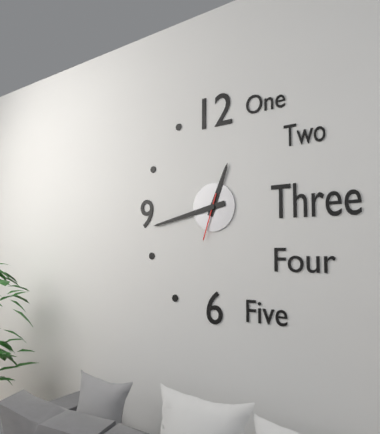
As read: 12.43
